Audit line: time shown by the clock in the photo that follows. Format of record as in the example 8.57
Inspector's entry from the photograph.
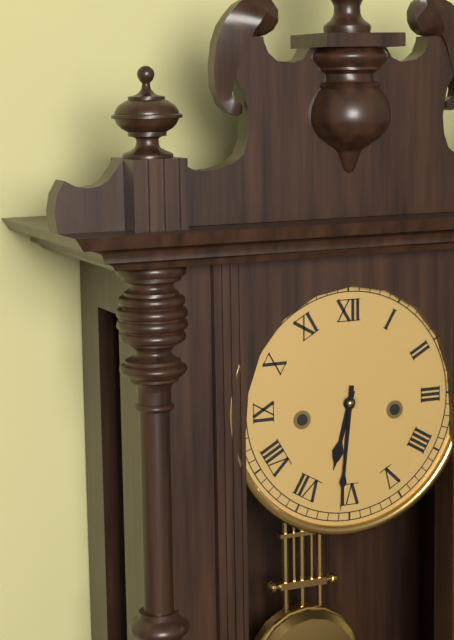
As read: 6.31
